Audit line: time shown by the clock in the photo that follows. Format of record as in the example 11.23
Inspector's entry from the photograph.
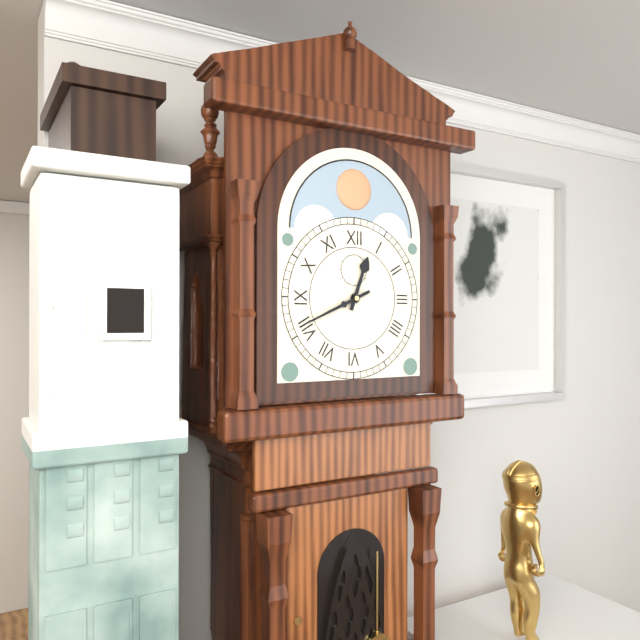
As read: 12.41
